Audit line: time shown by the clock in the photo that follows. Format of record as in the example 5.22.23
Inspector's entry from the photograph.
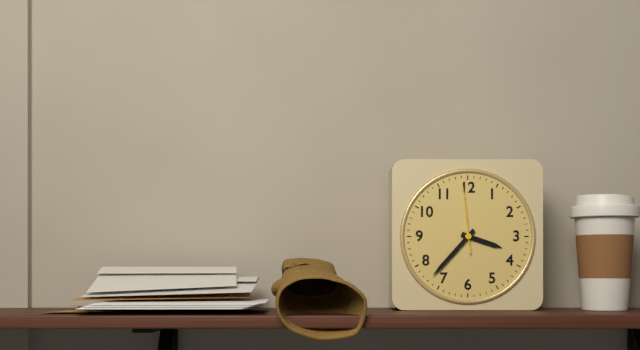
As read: 3.37.59
